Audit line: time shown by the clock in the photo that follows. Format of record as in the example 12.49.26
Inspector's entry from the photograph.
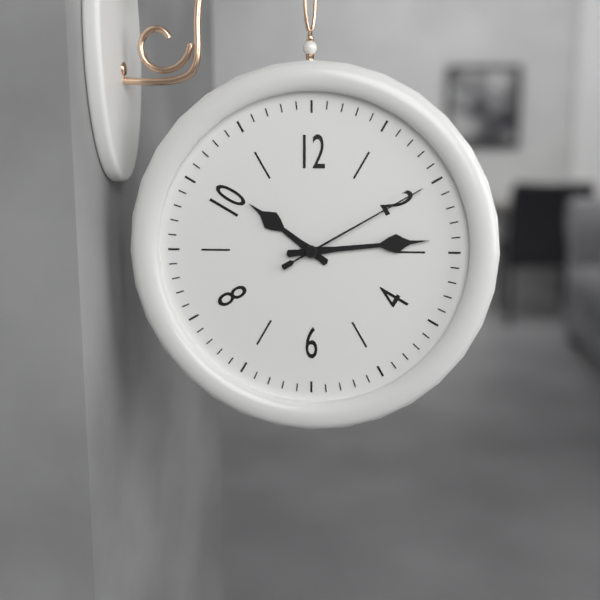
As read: 10.14.10
